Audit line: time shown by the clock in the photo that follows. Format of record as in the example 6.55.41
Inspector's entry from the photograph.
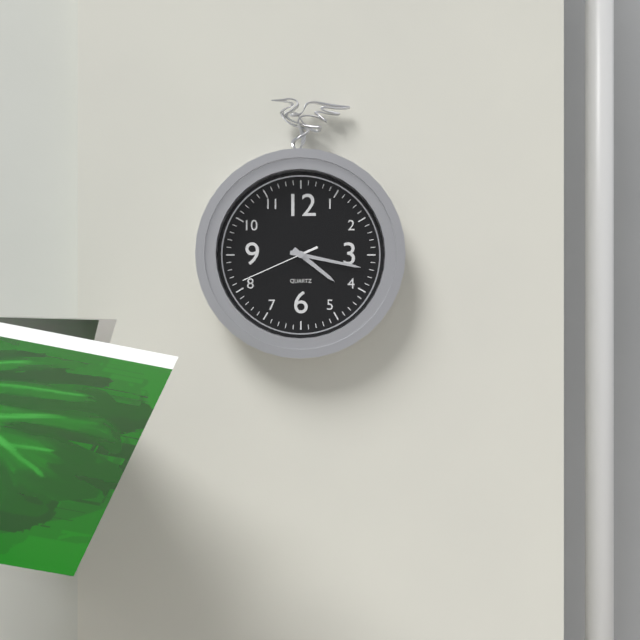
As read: 4.17.41
